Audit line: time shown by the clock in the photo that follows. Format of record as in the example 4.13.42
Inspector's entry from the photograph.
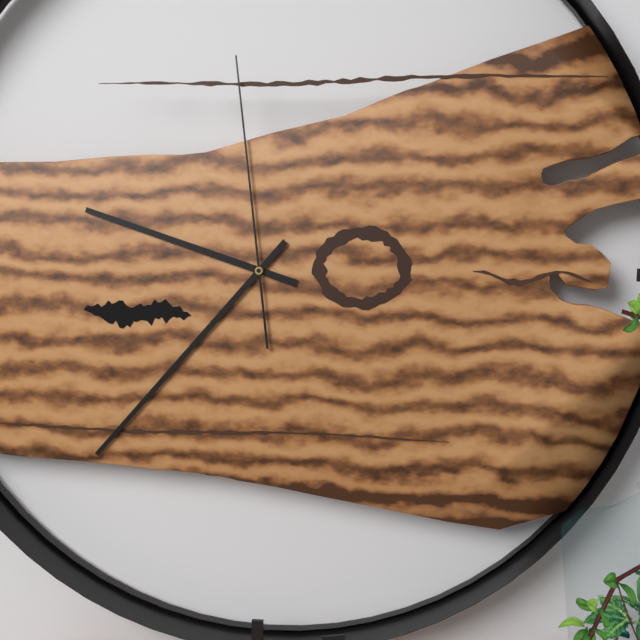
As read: 9.37.59
